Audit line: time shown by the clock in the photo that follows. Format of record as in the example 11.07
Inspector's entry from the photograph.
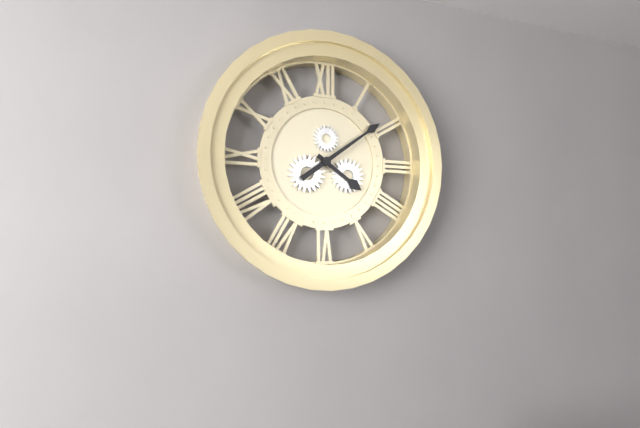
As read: 4.09
